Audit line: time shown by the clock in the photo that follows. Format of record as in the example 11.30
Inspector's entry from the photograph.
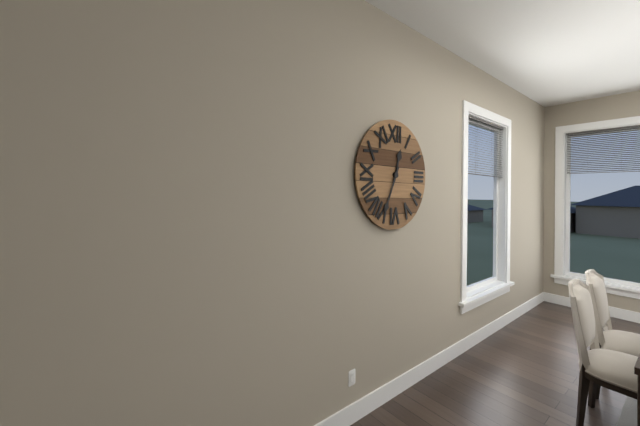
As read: 12.34
